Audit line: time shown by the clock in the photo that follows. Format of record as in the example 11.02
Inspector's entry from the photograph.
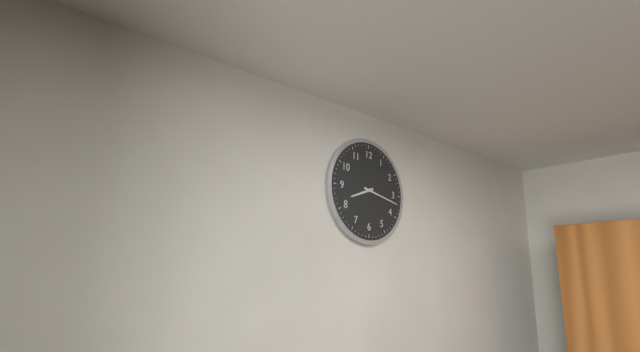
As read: 8.17
